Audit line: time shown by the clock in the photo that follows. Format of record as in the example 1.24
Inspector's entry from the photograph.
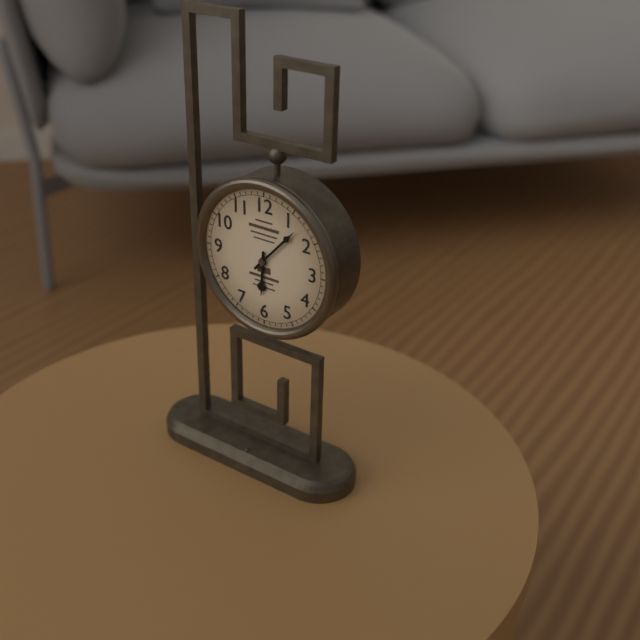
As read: 6.07
